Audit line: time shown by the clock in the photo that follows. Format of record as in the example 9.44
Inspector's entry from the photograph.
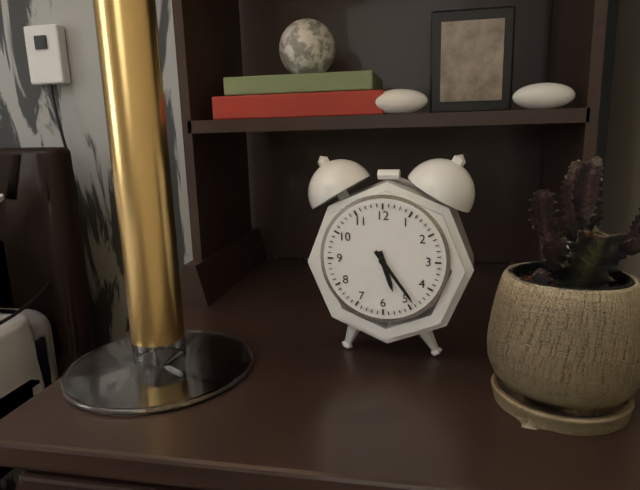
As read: 5.24
